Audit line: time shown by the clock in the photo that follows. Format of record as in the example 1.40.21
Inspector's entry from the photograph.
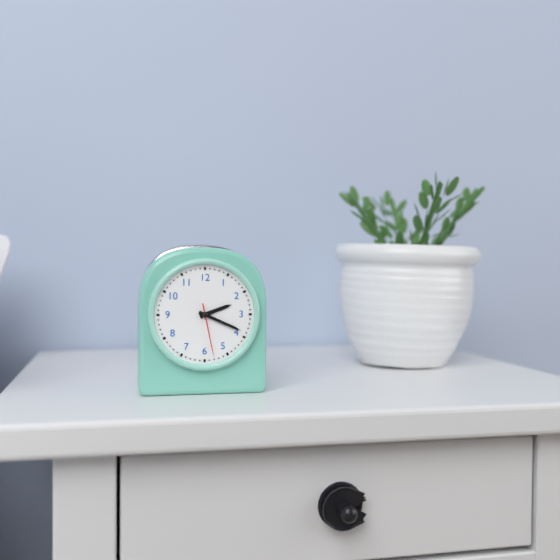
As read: 2.19.28
